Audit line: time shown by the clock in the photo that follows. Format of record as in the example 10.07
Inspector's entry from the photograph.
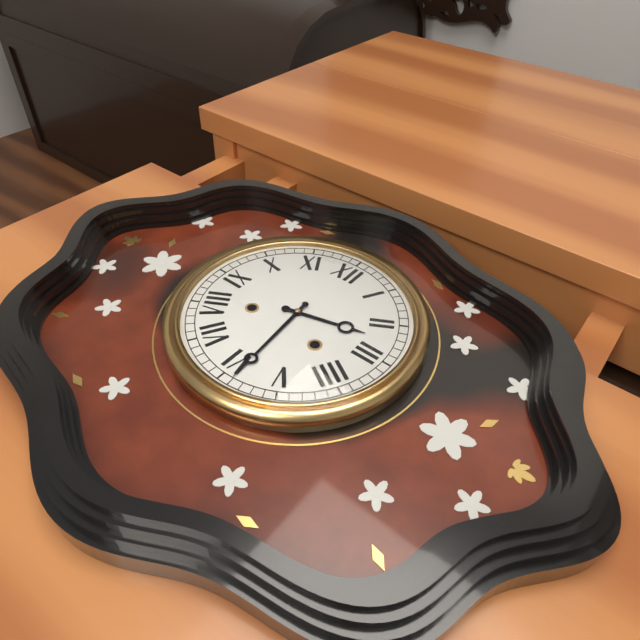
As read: 2.29
